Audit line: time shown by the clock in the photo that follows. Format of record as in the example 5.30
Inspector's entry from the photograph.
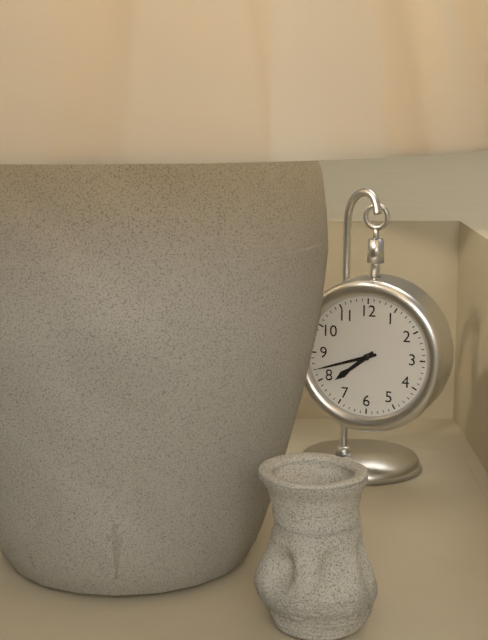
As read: 7.42
